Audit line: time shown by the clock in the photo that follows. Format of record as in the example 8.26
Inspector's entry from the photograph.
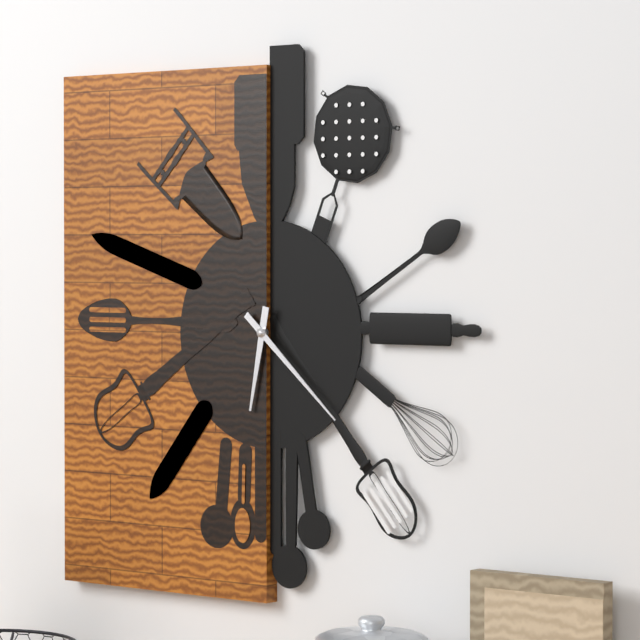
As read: 6.22
